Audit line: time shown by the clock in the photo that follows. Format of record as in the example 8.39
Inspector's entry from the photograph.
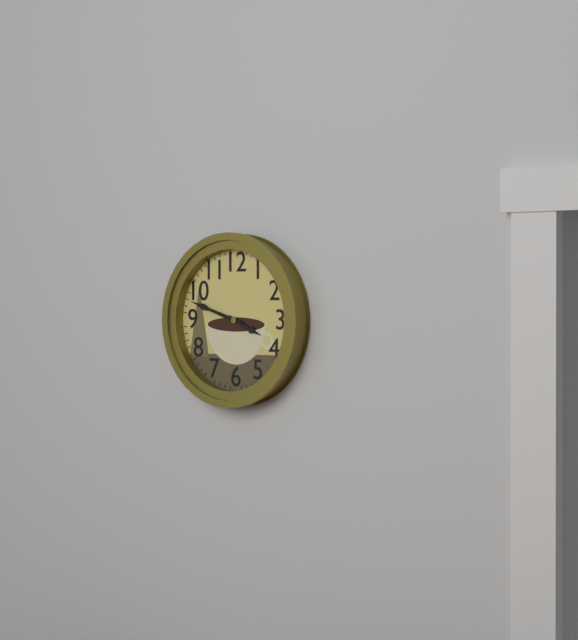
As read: 3.48
